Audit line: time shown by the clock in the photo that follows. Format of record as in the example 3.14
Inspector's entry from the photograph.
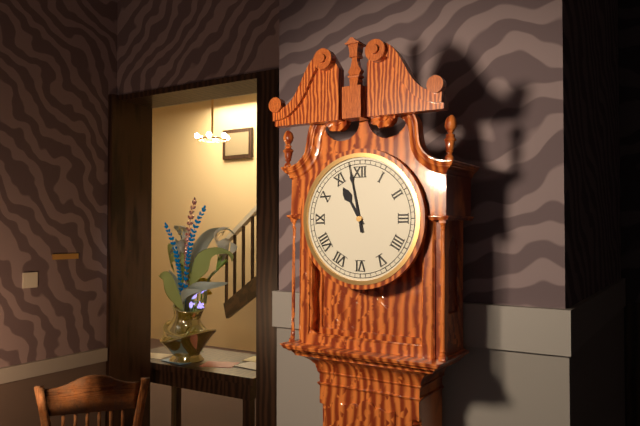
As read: 10.58
